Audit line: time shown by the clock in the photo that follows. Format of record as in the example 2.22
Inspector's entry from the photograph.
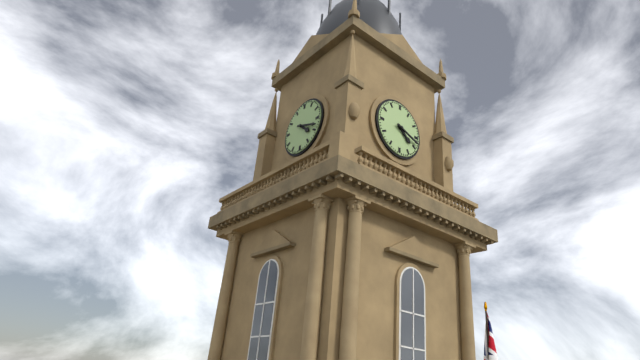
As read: 4.18
